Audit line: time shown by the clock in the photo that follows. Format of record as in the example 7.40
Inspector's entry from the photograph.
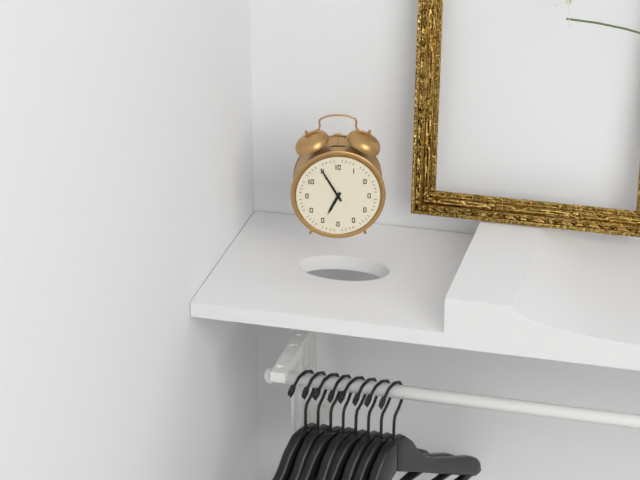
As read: 6.55
